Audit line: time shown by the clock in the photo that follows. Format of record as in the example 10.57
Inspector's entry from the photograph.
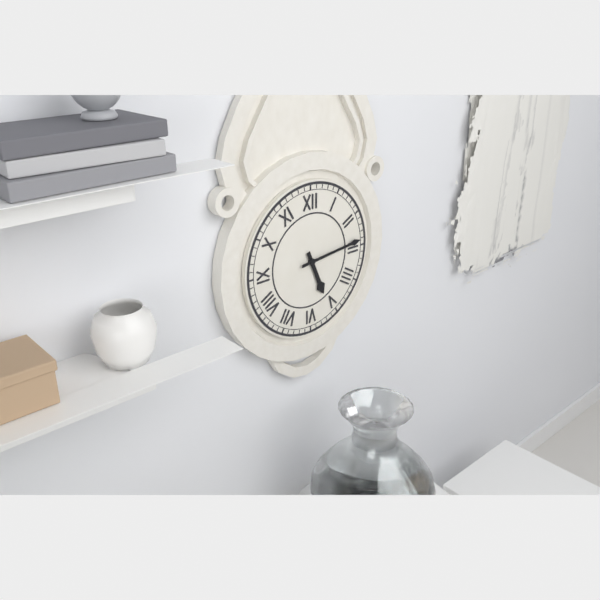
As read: 5.14
